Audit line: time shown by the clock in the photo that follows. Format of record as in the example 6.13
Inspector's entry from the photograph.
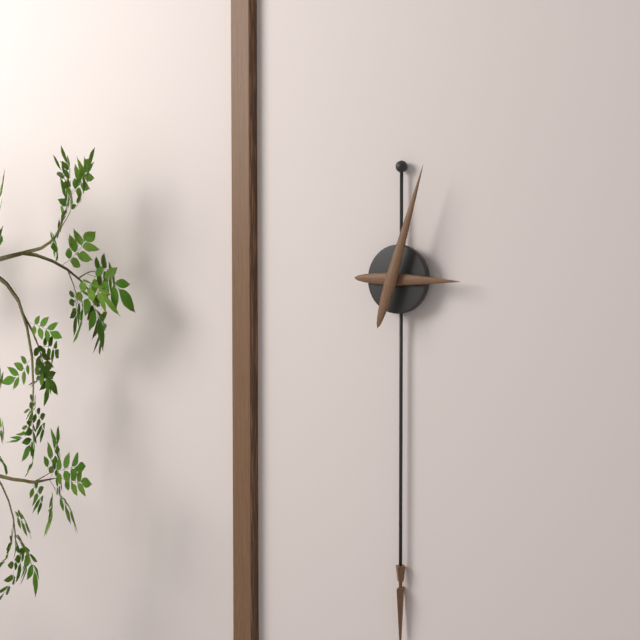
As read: 3.03
